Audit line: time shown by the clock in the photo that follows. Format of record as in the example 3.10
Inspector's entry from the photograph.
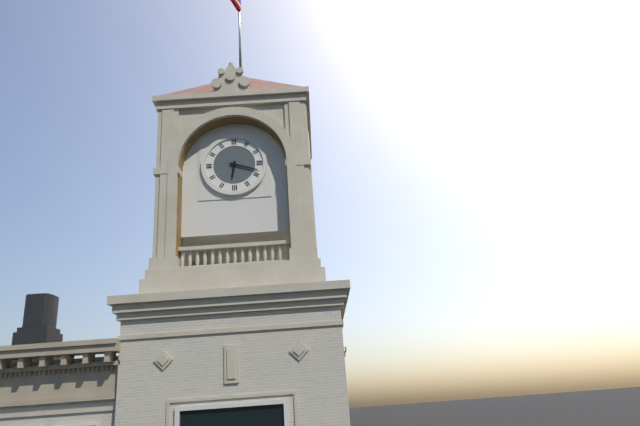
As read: 6.18
